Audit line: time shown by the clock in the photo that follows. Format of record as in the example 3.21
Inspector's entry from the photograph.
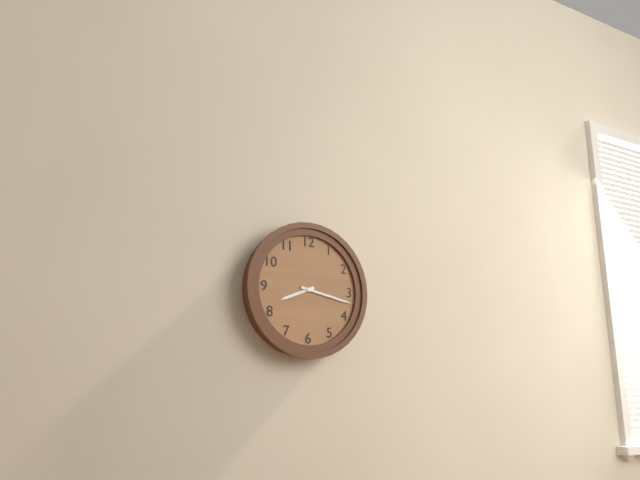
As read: 8.17
